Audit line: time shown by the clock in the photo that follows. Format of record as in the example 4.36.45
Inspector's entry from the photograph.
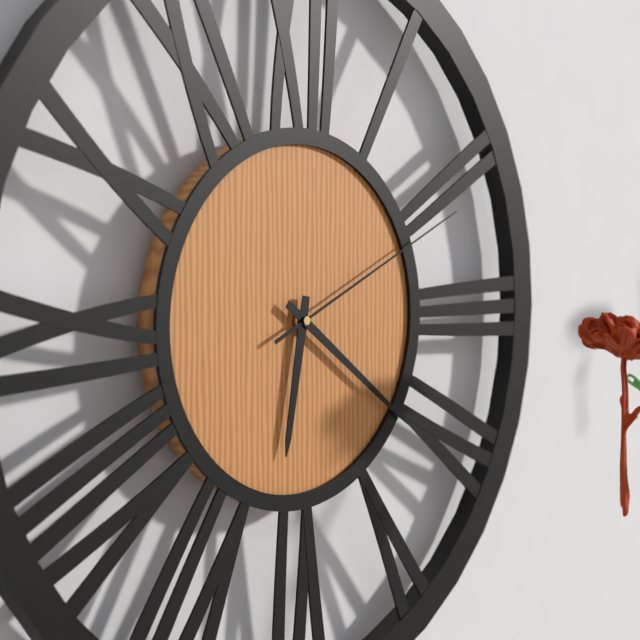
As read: 6.21.11
